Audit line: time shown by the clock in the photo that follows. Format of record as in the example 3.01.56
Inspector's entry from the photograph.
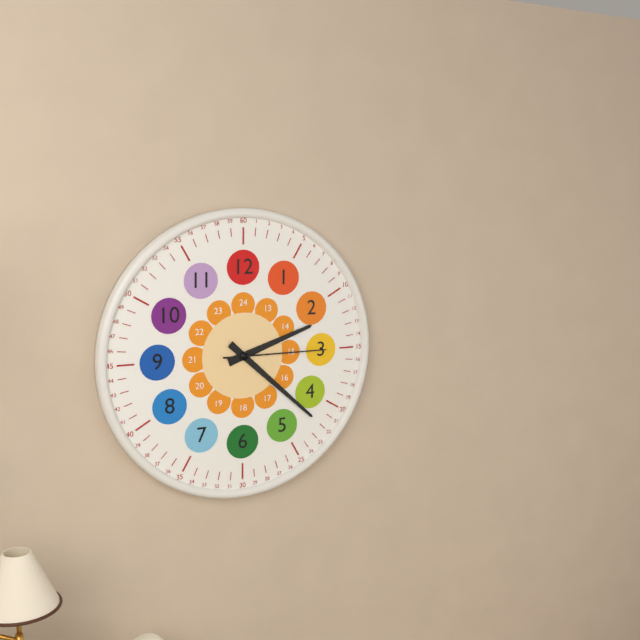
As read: 2.22.15
